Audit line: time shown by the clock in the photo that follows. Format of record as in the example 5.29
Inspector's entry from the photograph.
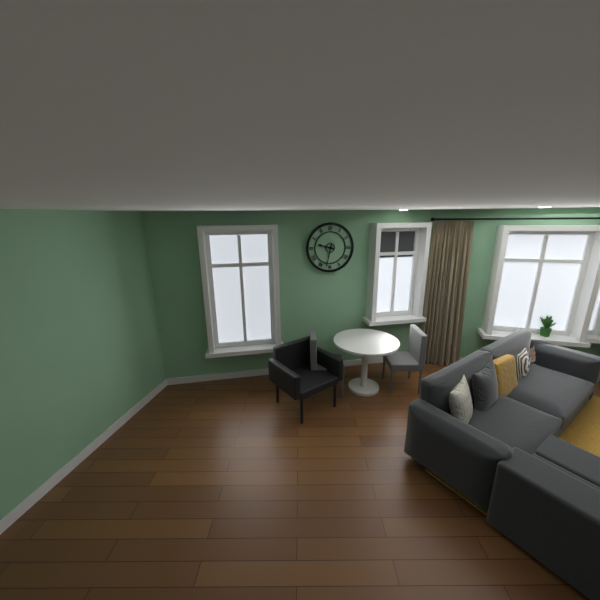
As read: 9.32
